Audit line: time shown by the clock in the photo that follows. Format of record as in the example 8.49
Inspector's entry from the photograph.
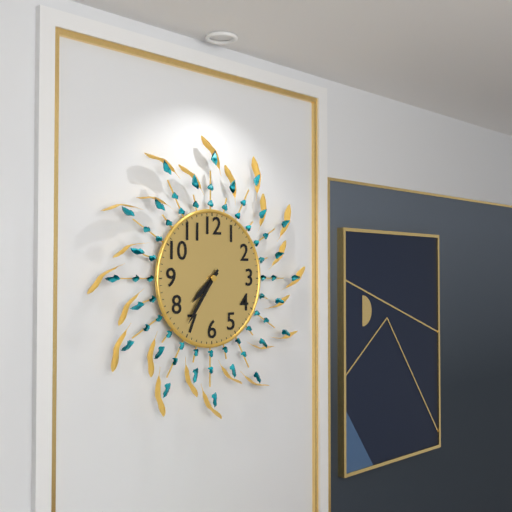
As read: 7.36
